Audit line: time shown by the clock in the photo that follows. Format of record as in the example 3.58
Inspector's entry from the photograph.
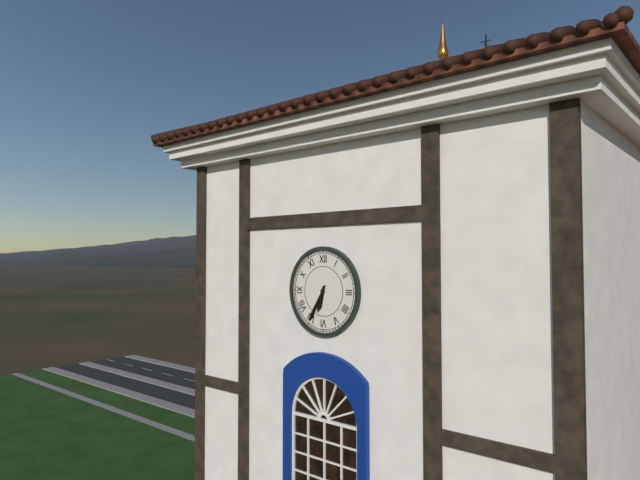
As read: 6.35
